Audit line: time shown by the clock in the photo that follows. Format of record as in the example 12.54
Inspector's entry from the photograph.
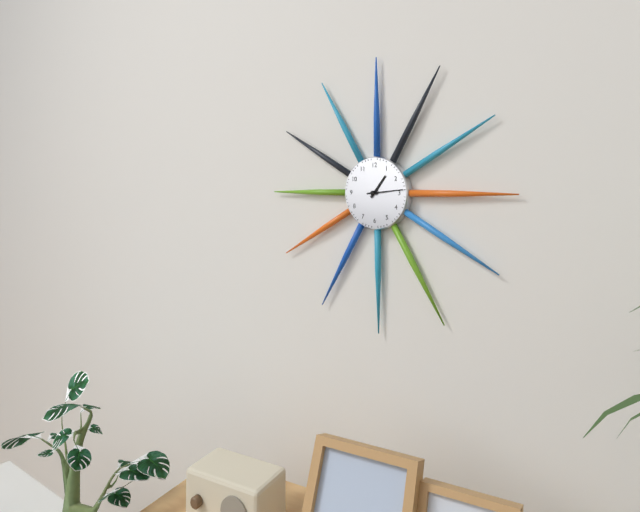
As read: 1.14
